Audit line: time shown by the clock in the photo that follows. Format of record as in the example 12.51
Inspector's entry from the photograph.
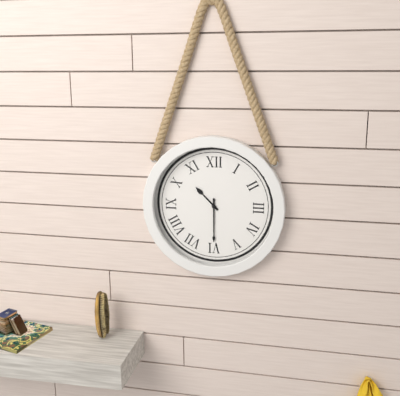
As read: 10.30
